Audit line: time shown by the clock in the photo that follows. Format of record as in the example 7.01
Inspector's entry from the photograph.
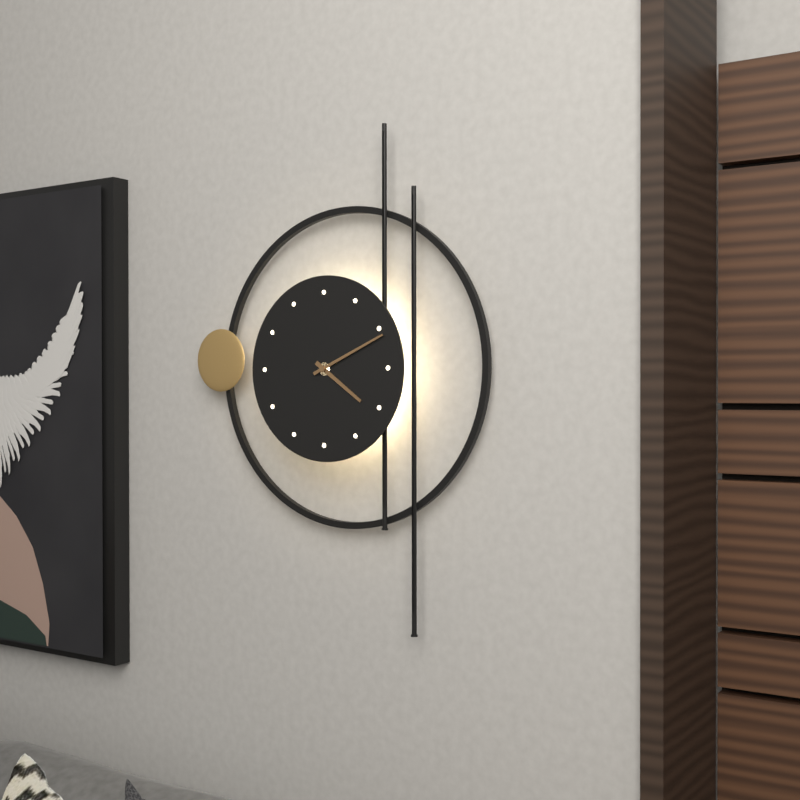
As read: 4.11
